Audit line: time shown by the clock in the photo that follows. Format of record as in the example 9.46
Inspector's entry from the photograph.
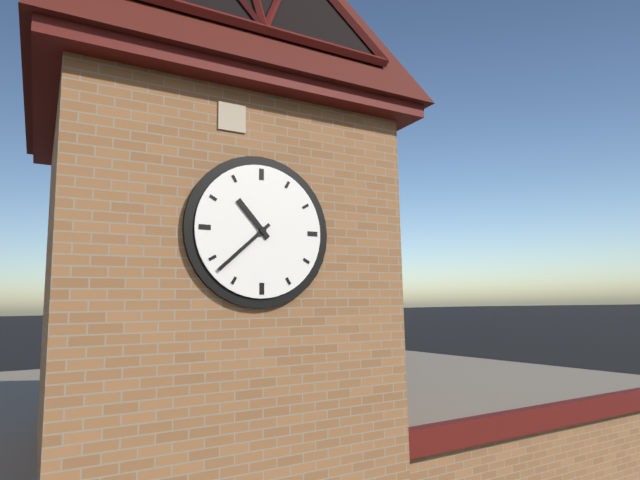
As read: 10.38
